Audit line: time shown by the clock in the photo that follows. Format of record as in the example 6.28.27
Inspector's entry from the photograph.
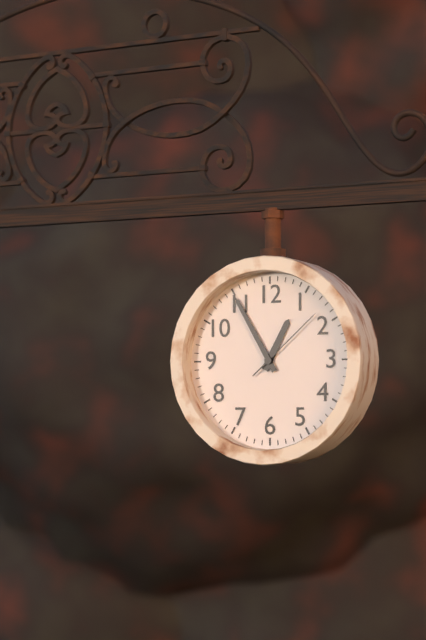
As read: 12.55.08
